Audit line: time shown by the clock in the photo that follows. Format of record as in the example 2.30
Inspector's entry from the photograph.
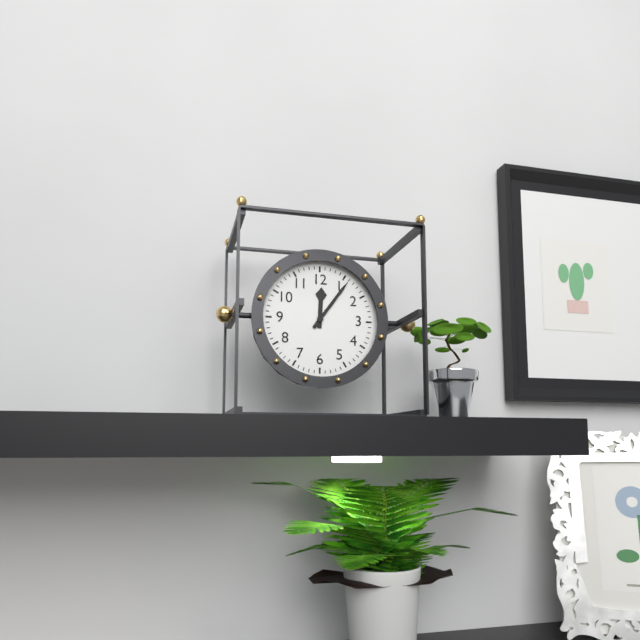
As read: 12.06
